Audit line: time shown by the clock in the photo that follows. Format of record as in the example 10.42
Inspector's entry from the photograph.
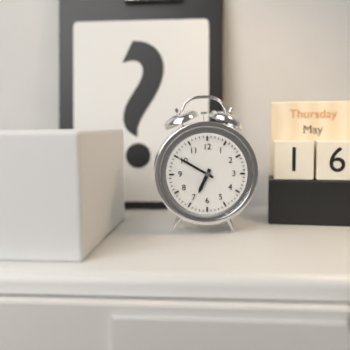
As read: 6.50
